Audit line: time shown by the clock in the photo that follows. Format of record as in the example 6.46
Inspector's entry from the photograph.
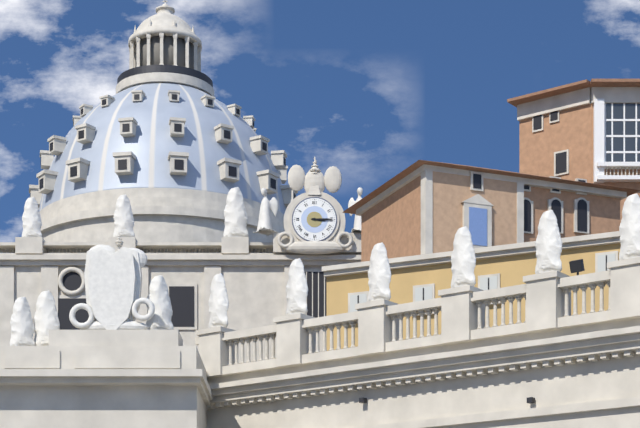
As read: 3.15
